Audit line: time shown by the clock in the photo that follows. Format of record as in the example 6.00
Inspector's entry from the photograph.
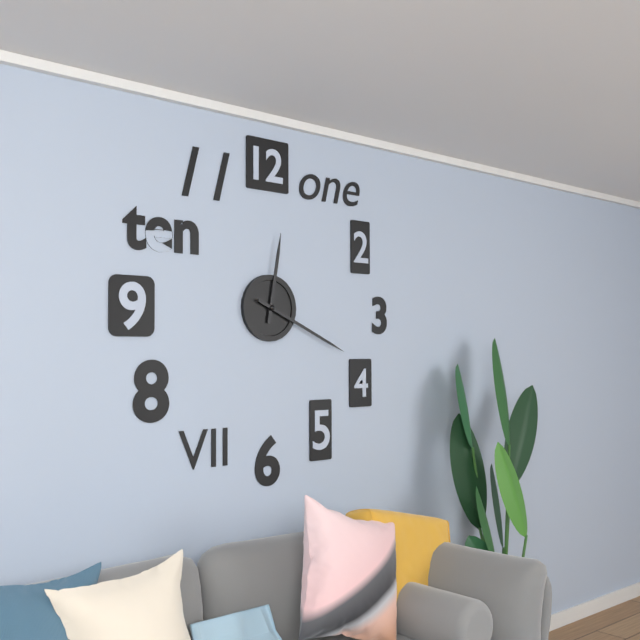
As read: 12.19
